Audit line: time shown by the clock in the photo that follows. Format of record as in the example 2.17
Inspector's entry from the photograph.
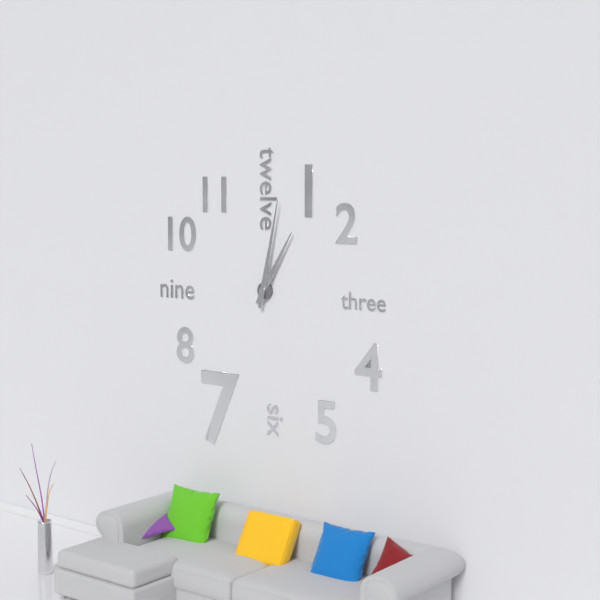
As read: 1.02
